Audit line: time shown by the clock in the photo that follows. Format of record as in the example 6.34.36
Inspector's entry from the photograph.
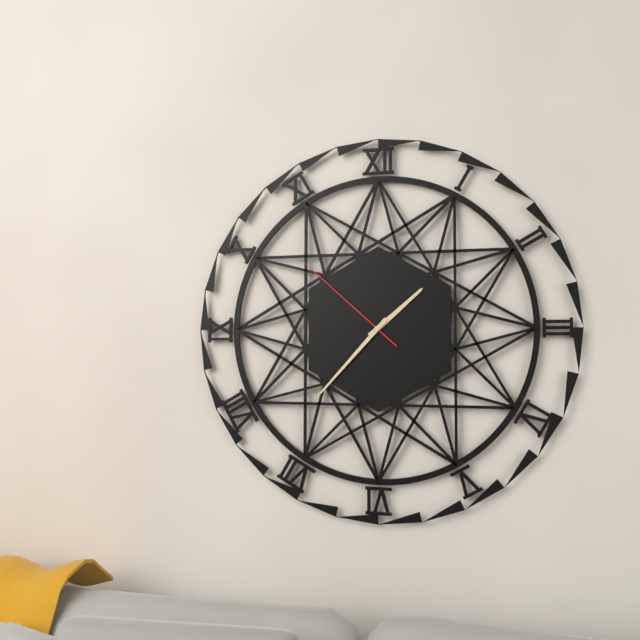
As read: 1.37.52
